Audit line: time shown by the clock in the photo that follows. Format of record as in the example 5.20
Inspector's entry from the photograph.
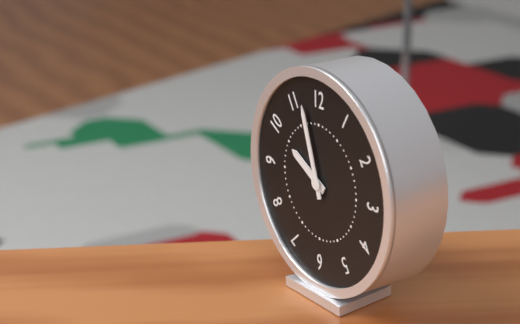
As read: 9.57
